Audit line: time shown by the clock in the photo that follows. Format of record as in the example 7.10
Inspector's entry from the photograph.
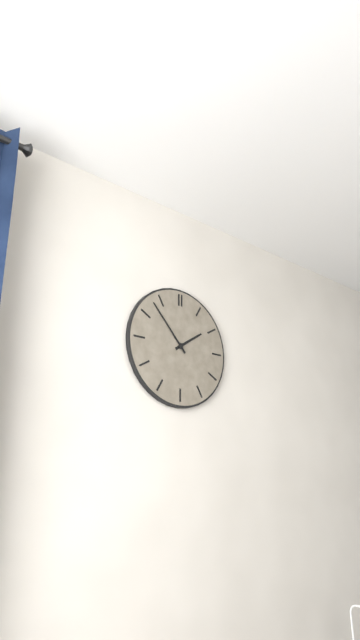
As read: 1.53
